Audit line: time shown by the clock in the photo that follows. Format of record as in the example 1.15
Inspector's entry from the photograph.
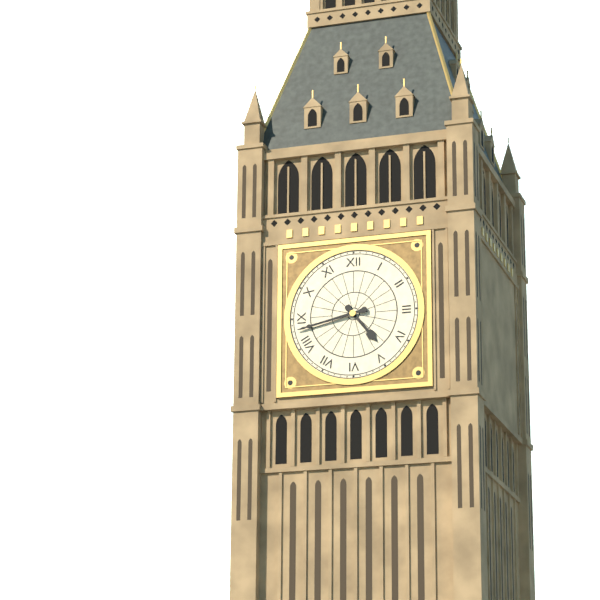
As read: 4.43
